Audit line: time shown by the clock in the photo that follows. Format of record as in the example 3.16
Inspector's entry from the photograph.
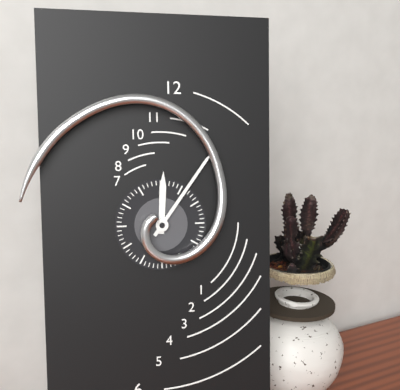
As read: 12.06
